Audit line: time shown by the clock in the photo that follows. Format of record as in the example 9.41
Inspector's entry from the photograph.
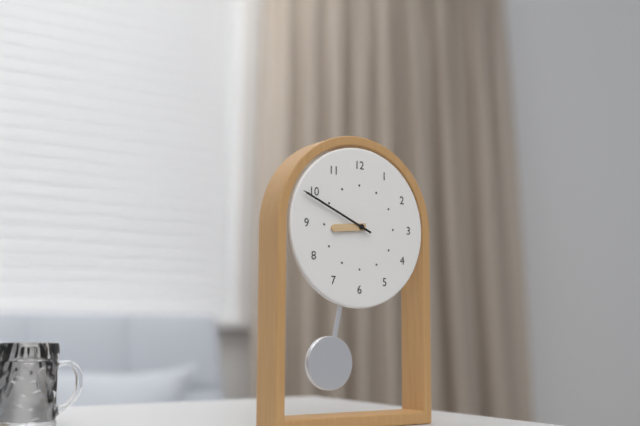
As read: 8.49
